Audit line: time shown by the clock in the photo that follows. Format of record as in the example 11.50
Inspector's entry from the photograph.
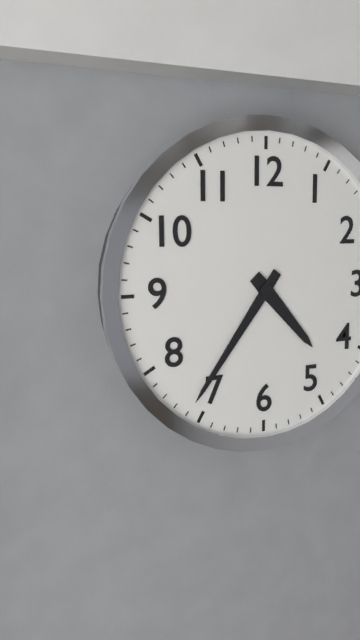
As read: 4.36
